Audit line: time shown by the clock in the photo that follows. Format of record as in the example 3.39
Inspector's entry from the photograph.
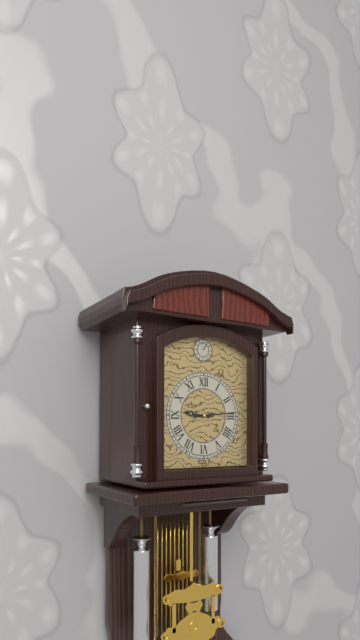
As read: 9.14
